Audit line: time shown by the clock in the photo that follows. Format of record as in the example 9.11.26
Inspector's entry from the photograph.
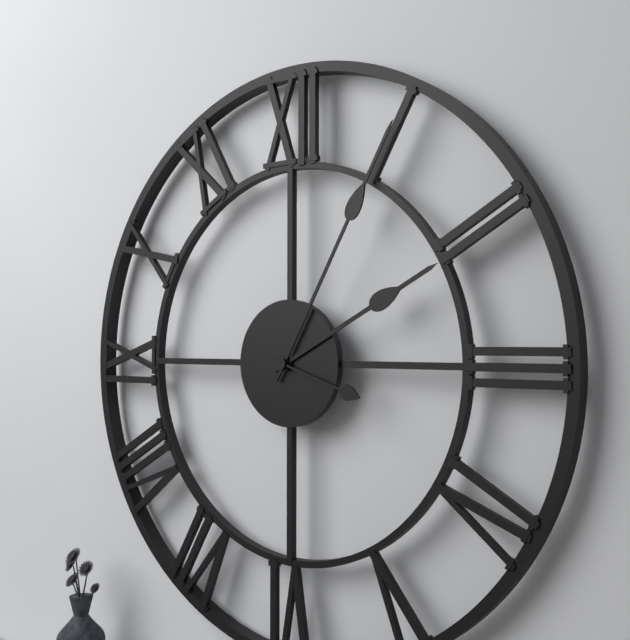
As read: 2.05.18
